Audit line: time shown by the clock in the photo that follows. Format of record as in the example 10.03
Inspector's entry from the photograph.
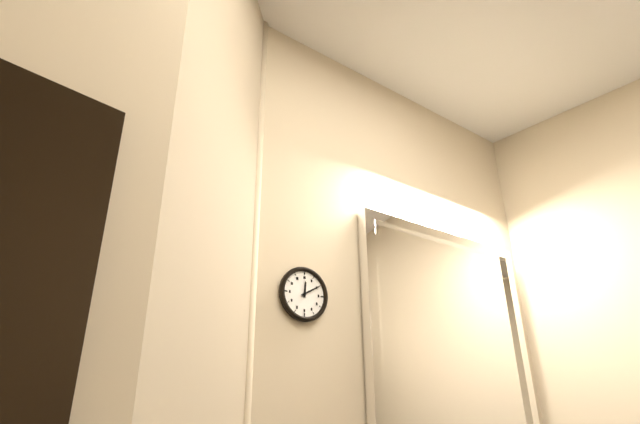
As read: 12.10
